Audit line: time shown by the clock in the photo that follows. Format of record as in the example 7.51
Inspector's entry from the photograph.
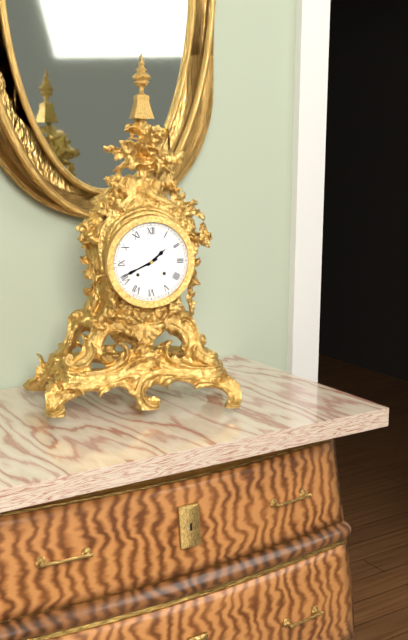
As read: 1.41
